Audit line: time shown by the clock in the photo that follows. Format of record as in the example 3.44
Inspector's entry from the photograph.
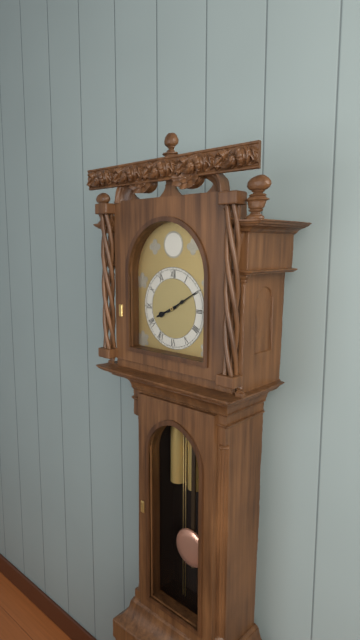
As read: 8.10
